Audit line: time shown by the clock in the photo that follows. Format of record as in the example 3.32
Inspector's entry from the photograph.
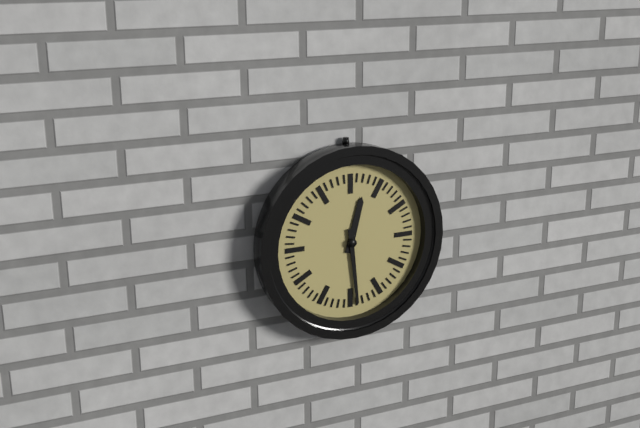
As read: 12.29
